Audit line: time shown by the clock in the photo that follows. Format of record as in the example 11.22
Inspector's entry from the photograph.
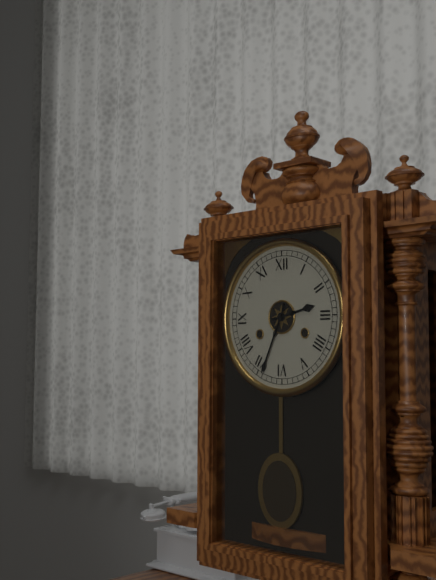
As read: 2.34
